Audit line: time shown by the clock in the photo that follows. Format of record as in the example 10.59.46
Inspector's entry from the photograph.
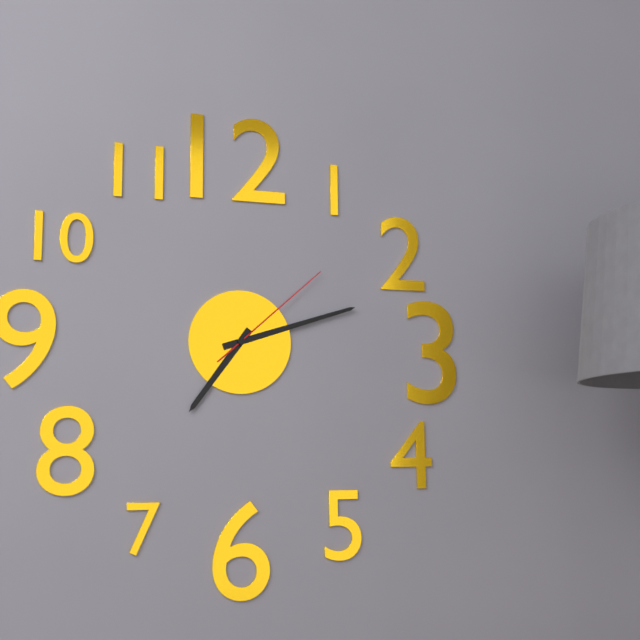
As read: 7.12.08
